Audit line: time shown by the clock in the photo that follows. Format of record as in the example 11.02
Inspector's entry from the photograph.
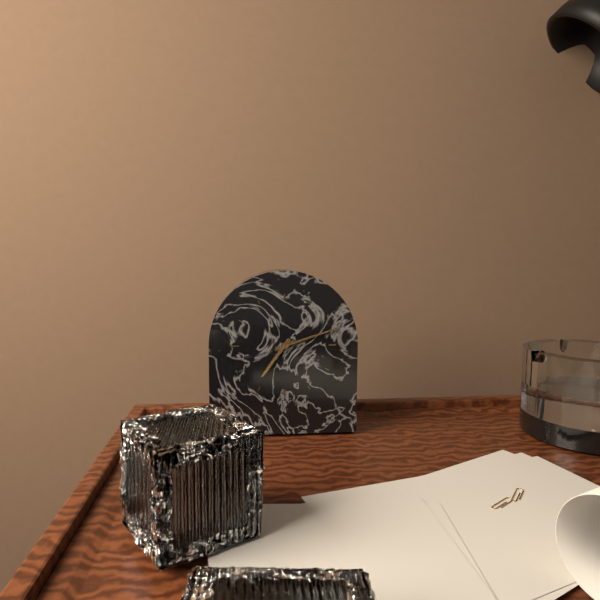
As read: 7.12
